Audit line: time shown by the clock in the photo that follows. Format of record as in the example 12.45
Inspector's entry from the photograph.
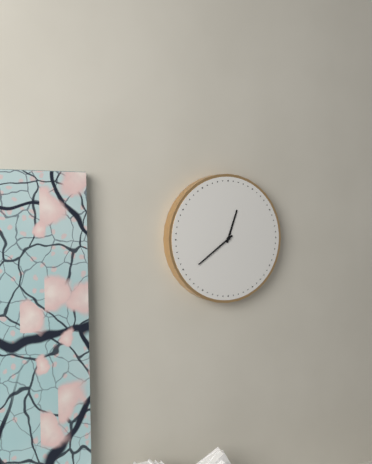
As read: 12.39
